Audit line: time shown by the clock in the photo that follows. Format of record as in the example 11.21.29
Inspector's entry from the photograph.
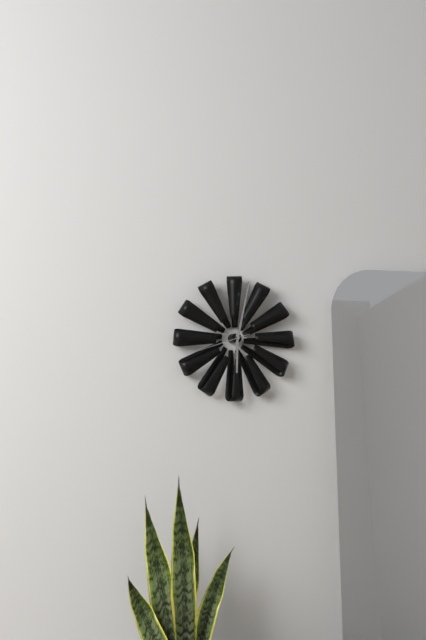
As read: 6.02.42
